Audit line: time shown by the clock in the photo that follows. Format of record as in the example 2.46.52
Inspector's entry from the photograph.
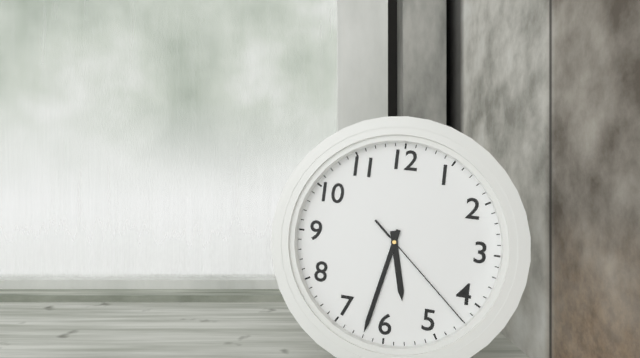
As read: 5.32.22
